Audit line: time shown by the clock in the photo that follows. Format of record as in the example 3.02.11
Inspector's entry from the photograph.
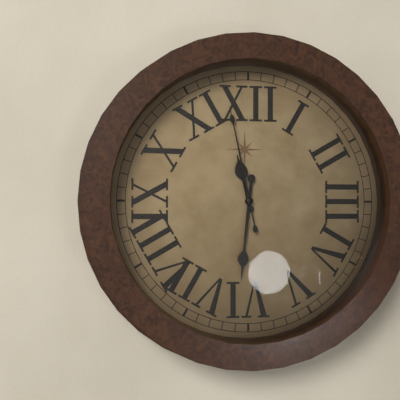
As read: 11.31.58
